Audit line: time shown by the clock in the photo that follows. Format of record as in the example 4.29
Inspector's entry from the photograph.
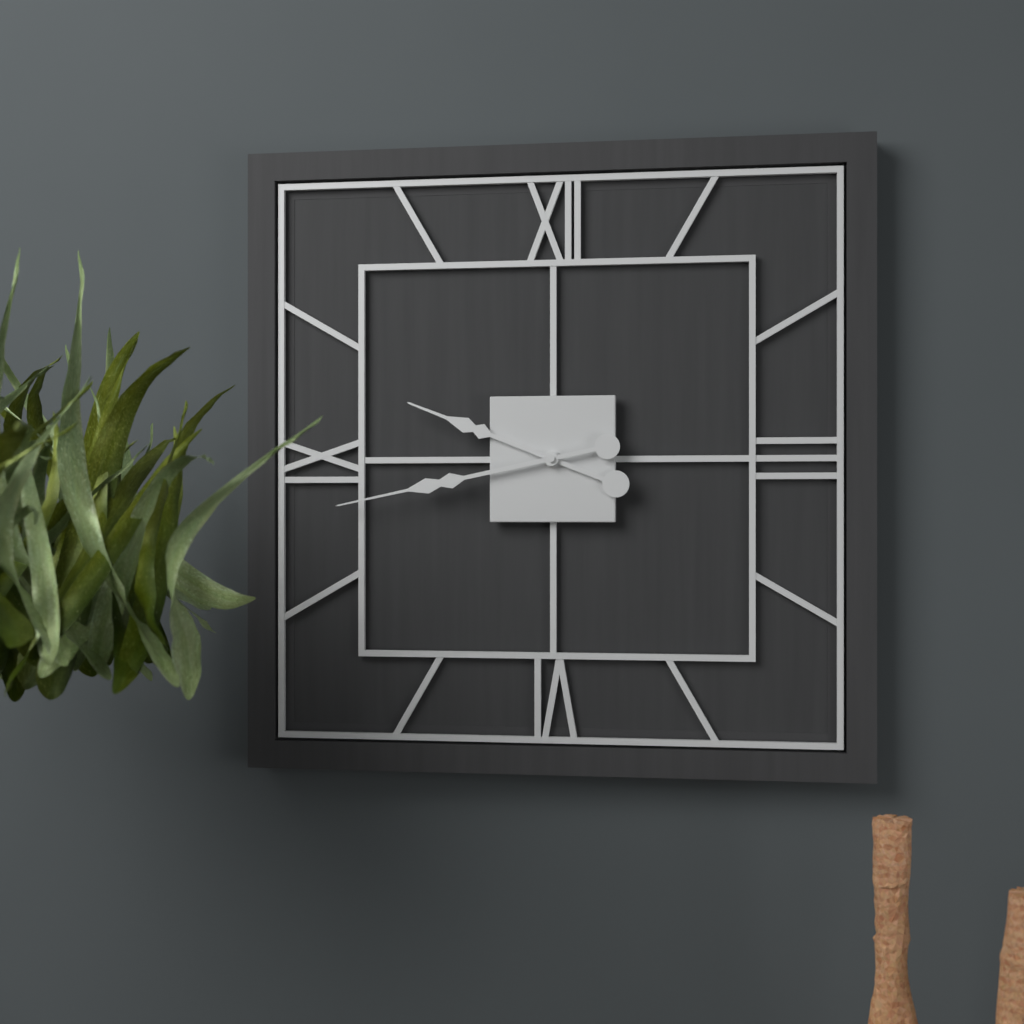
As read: 9.43
